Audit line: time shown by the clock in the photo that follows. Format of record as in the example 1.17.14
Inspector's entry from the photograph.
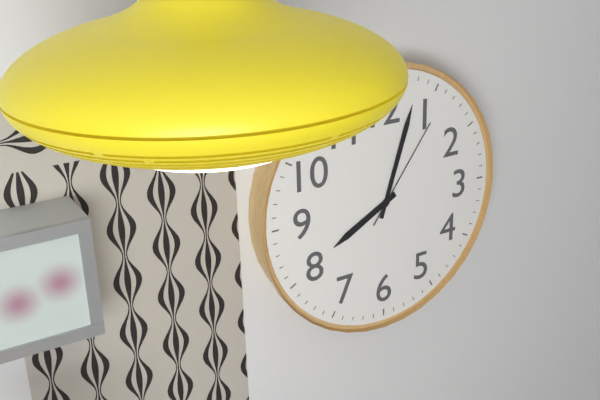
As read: 8.03.06
